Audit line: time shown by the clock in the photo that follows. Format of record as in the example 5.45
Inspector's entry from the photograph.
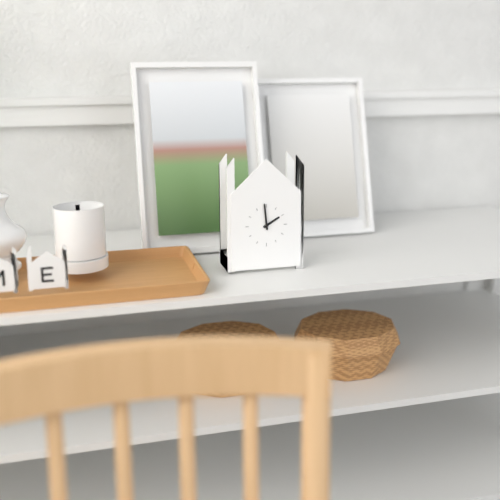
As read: 1.59
